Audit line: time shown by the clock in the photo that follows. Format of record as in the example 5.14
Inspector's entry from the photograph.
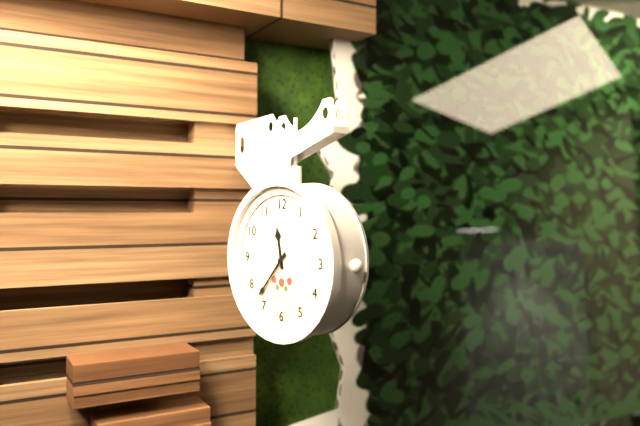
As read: 11.37
